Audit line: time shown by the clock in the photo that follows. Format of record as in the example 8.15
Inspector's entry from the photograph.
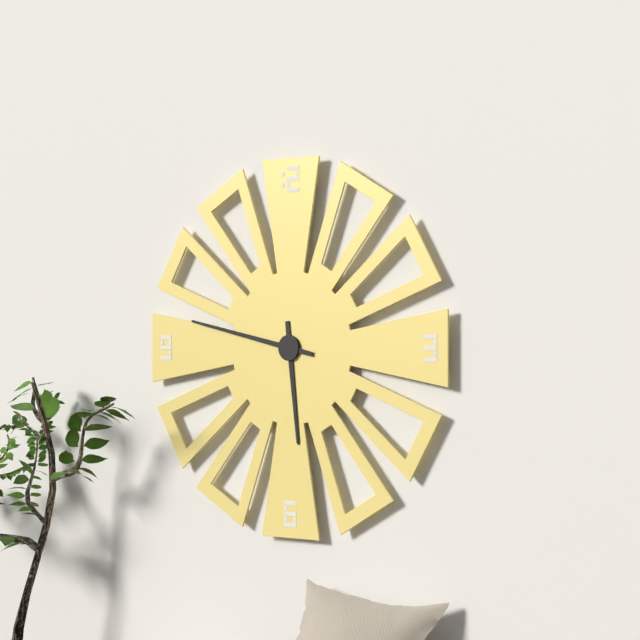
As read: 5.47
